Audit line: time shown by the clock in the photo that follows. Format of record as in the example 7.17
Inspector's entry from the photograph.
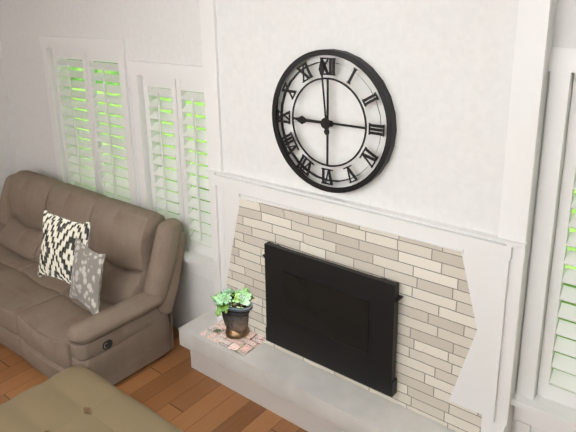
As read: 8.59
